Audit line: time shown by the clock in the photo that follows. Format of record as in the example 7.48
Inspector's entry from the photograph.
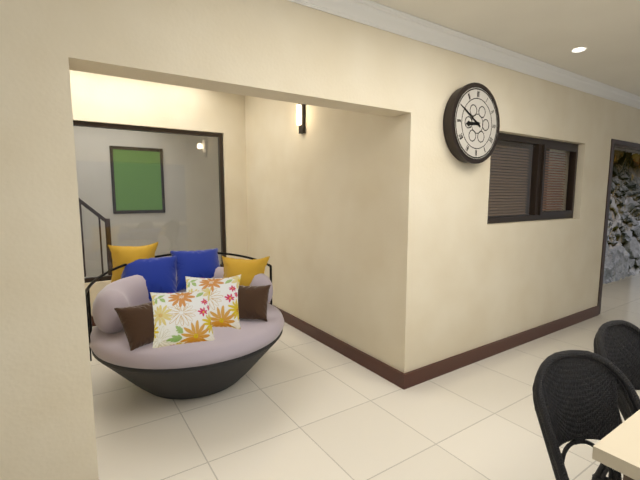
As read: 8.50
